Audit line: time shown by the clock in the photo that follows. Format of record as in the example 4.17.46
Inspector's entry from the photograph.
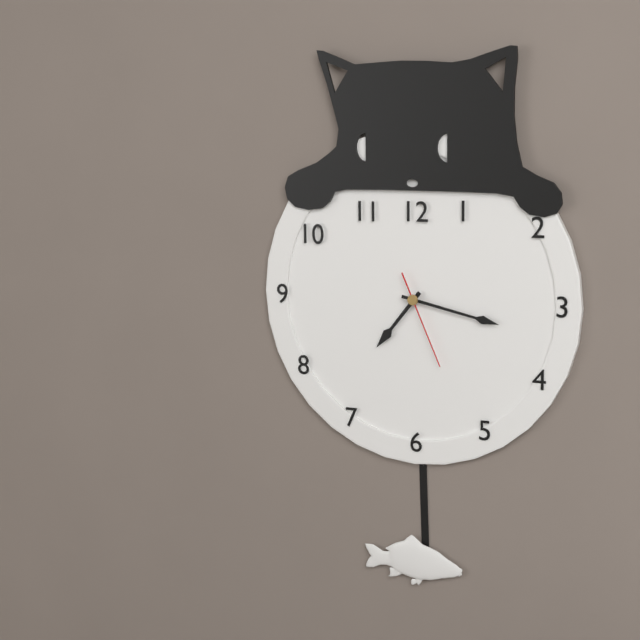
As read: 7.17.26
